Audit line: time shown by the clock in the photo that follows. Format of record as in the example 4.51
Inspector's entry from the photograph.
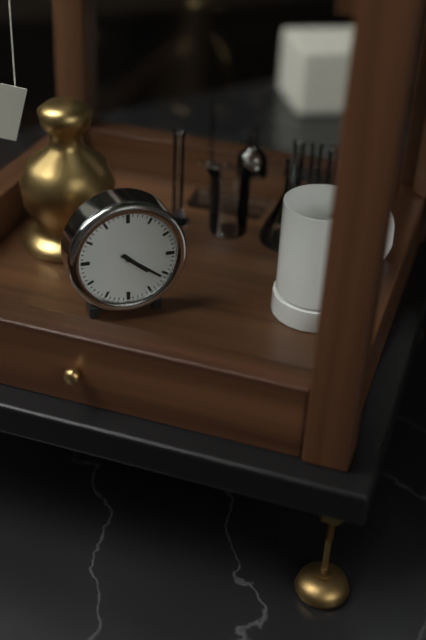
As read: 4.21
